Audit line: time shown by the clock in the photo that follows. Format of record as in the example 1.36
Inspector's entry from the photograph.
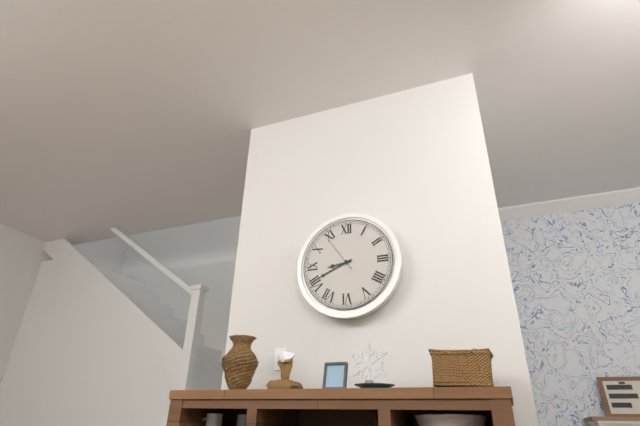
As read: 8.41
